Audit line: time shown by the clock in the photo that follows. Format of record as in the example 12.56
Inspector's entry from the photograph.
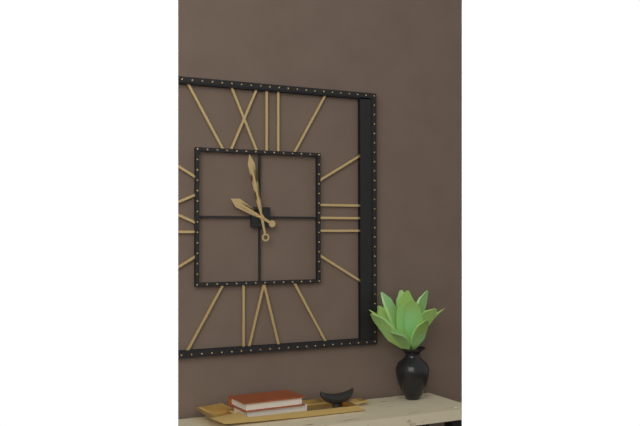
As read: 9.58
